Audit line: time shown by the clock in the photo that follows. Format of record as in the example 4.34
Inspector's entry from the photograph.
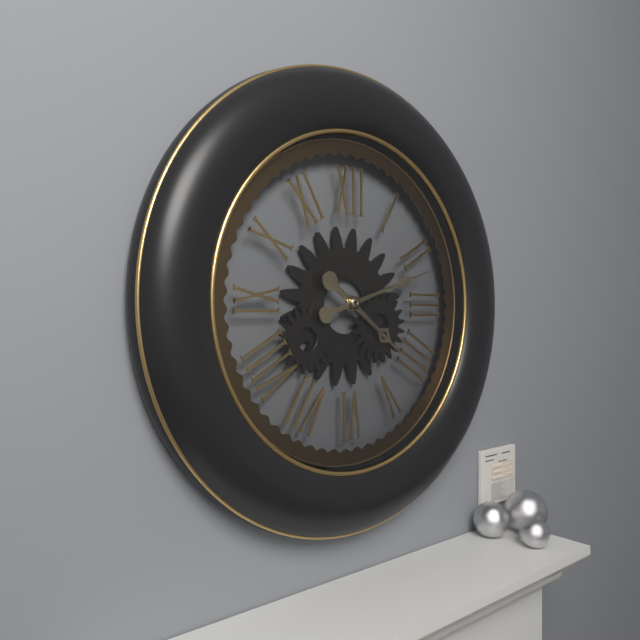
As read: 4.12
